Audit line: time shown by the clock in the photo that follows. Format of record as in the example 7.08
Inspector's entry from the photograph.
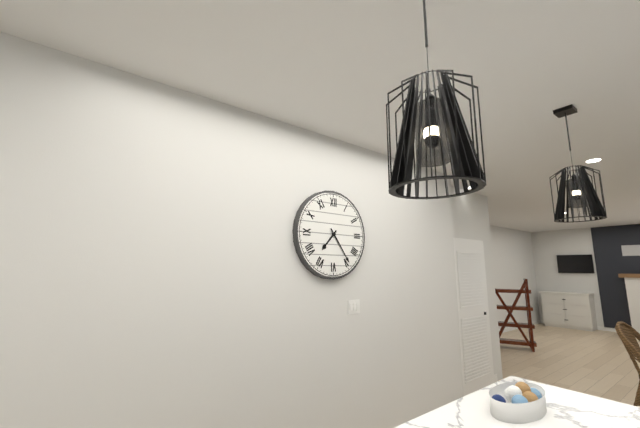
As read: 7.24
